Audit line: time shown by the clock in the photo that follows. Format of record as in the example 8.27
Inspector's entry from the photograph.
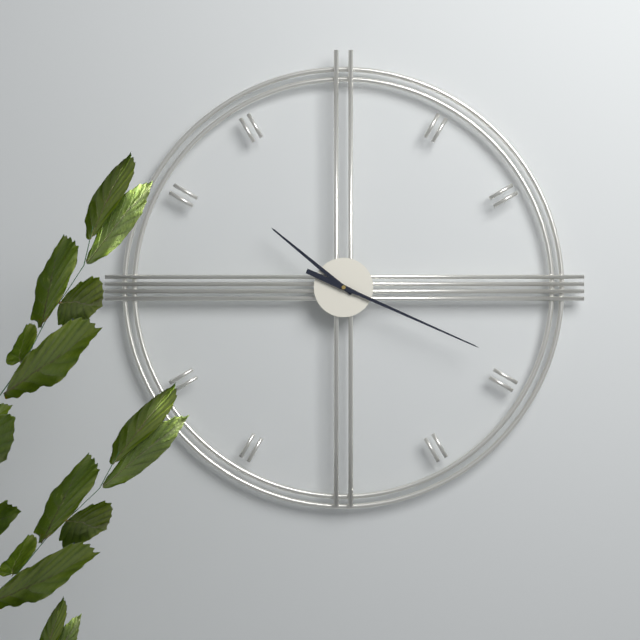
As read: 10.19
